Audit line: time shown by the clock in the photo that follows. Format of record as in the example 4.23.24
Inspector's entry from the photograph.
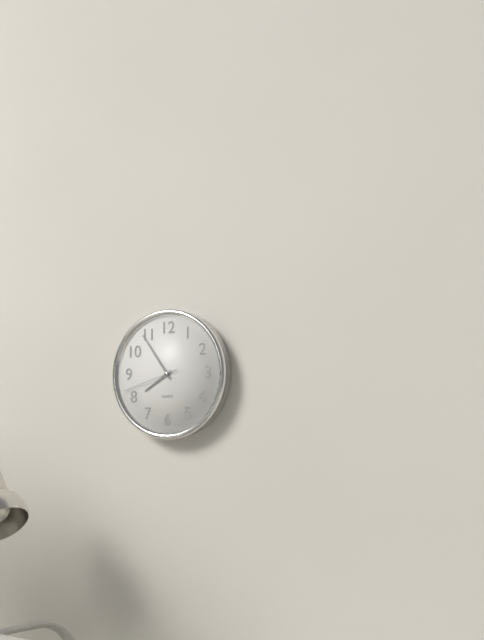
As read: 7.54.42
